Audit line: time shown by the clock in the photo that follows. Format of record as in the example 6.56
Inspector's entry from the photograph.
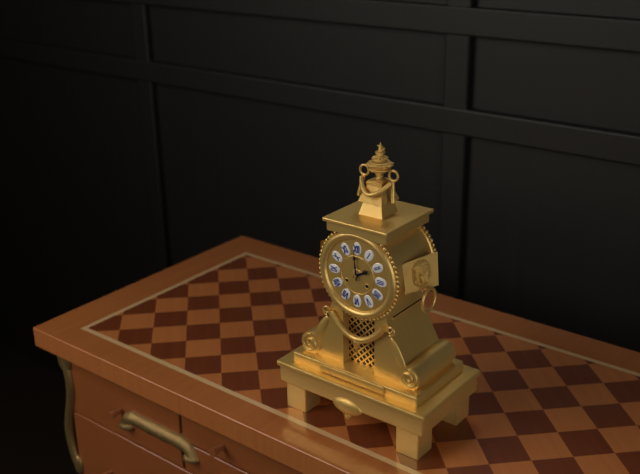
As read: 1.59
